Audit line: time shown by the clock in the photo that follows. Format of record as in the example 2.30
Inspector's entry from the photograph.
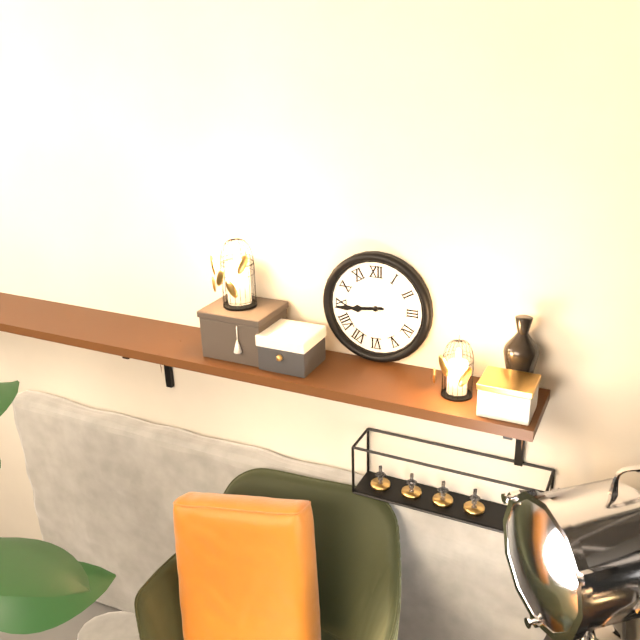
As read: 8.44
